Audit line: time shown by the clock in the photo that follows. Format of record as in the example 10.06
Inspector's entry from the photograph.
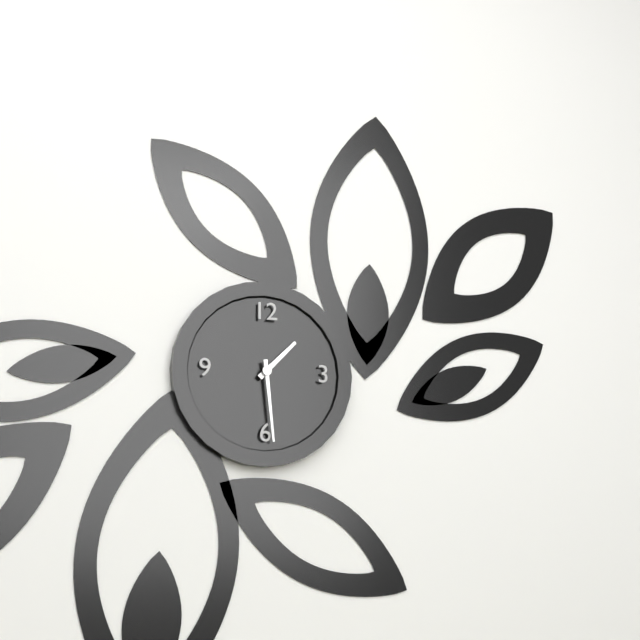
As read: 1.29
